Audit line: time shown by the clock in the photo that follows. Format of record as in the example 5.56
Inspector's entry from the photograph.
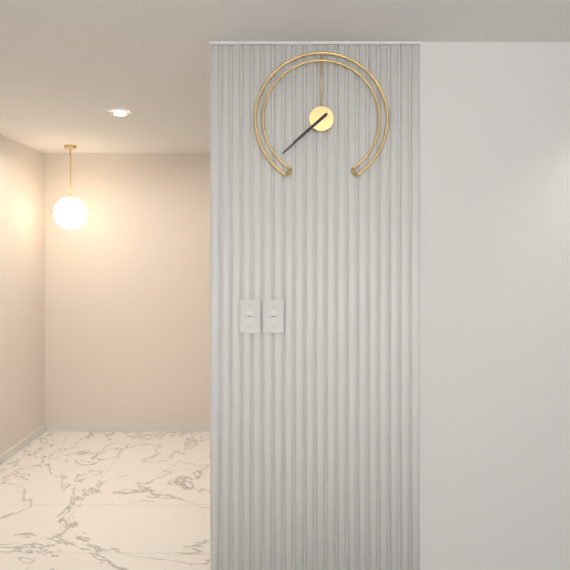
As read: 7.38
